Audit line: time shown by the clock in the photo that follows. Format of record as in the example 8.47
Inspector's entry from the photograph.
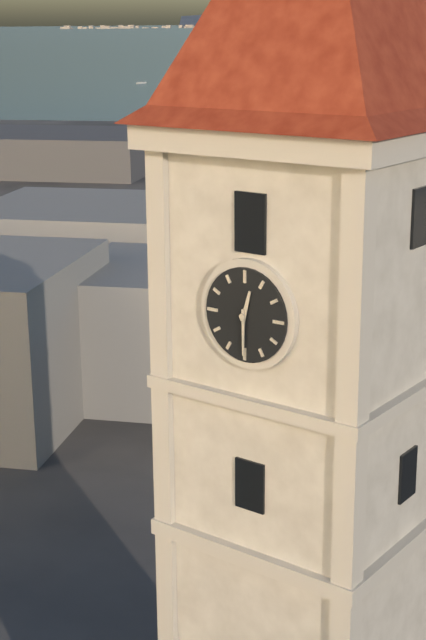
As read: 12.30
